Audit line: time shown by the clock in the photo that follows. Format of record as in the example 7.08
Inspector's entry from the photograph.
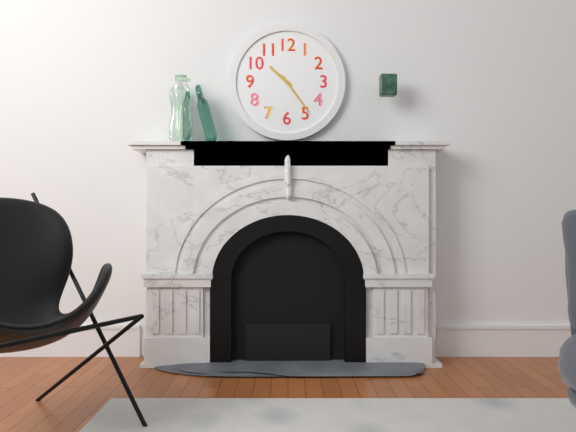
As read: 10.24
